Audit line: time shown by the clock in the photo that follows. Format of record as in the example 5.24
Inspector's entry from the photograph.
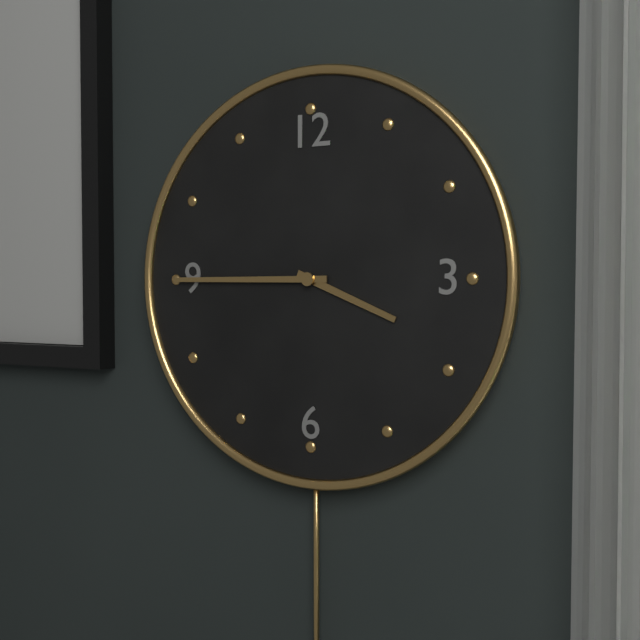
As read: 3.45
